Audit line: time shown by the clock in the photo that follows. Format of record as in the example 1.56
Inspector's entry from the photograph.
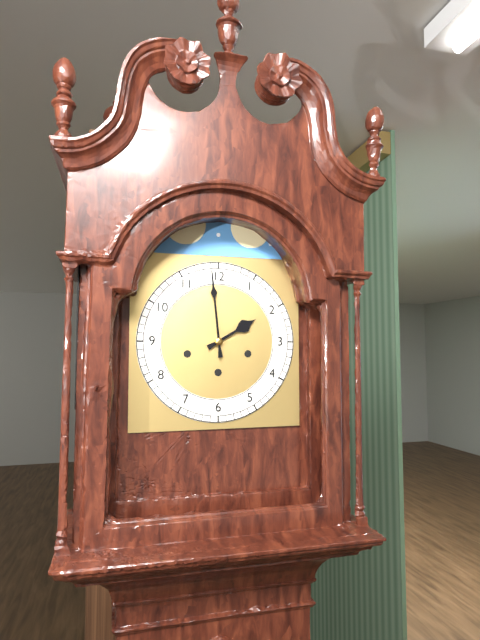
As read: 1.59
